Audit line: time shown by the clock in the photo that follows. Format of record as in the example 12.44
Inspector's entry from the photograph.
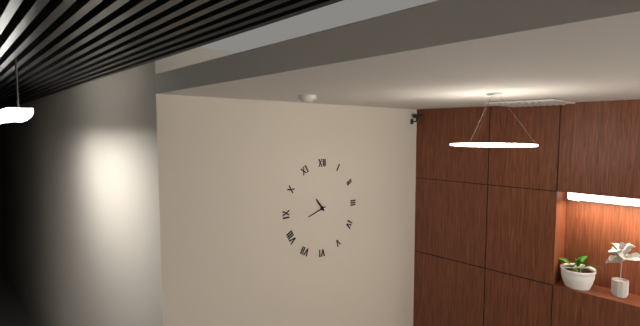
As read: 10.42
